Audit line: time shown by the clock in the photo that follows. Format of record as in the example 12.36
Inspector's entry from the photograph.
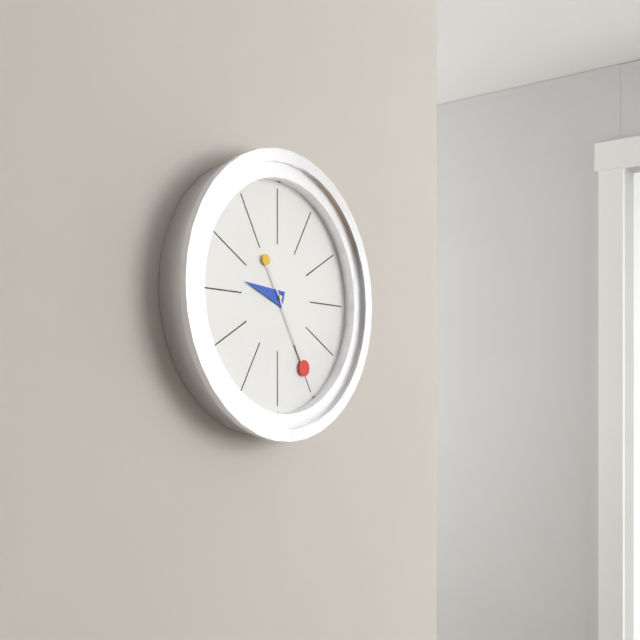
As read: 9.25
